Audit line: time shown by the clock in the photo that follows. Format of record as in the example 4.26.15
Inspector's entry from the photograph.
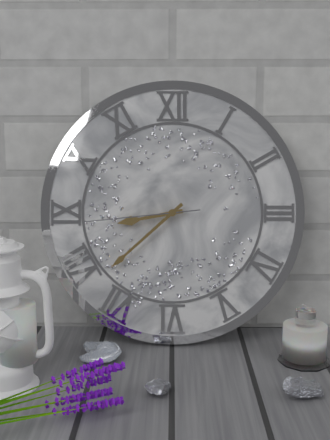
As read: 8.38.44
